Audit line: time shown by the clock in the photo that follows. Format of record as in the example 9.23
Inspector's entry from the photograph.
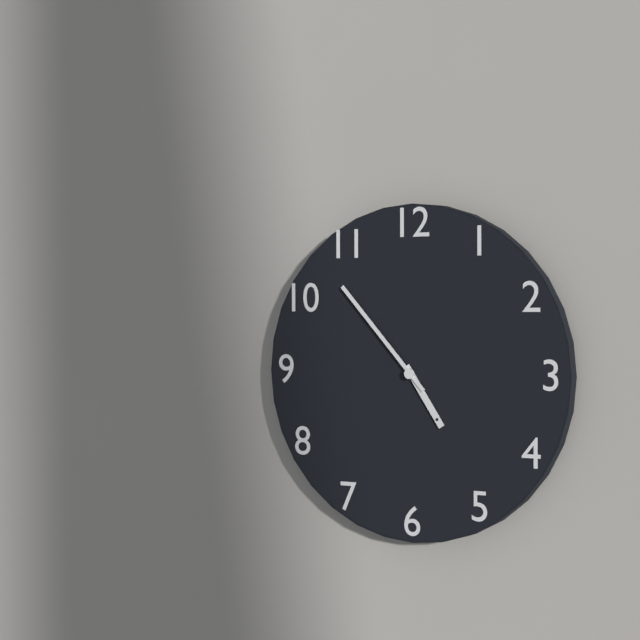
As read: 4.53
